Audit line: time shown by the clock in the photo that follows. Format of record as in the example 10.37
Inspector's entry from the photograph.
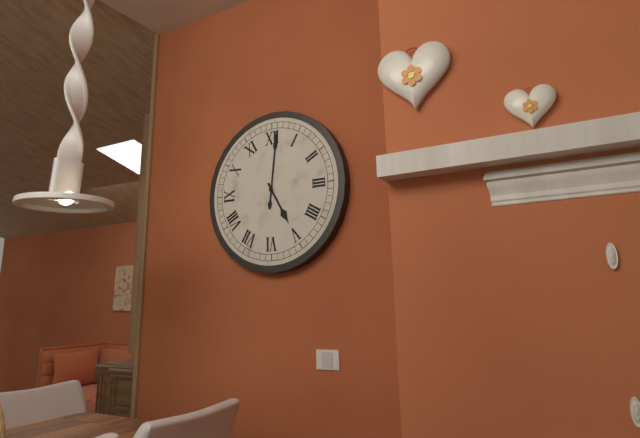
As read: 5.01
